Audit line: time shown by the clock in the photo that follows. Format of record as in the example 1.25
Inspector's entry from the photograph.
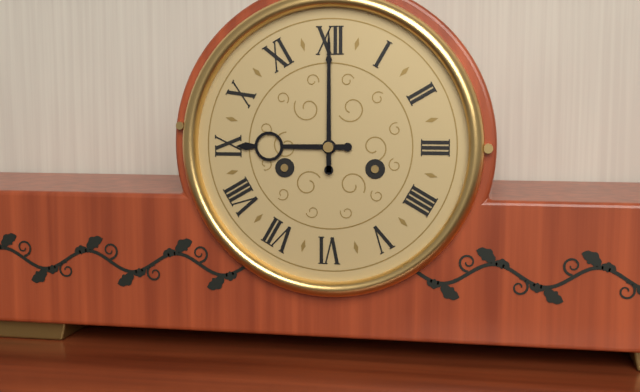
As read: 9.00
